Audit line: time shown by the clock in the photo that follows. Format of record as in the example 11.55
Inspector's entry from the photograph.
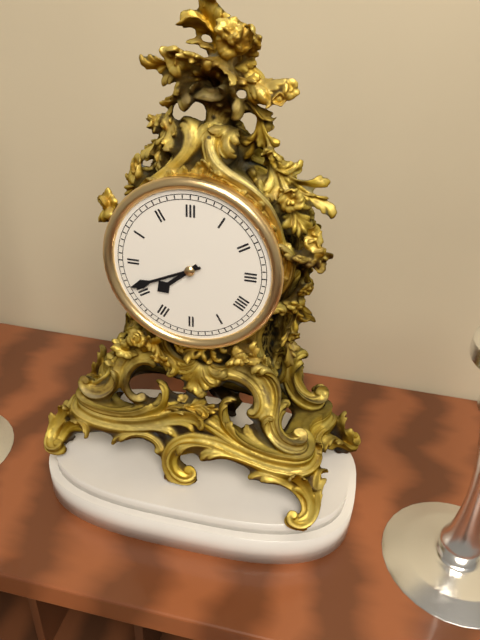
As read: 7.41
